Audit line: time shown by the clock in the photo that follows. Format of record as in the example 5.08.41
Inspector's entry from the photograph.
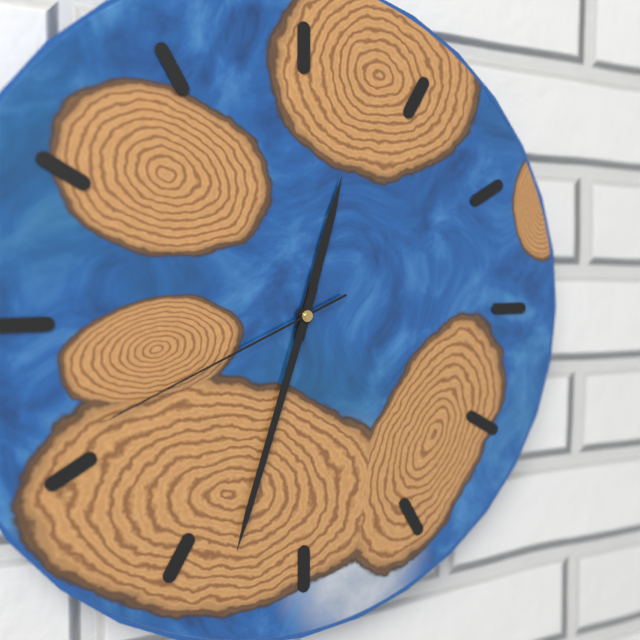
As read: 12.33.41
